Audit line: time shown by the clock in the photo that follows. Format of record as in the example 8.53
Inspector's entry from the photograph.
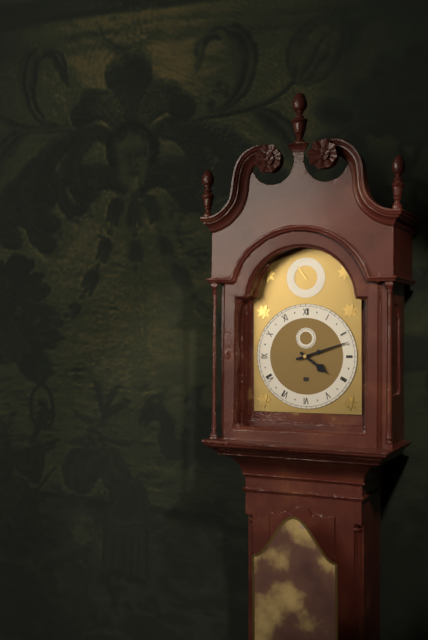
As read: 4.12
